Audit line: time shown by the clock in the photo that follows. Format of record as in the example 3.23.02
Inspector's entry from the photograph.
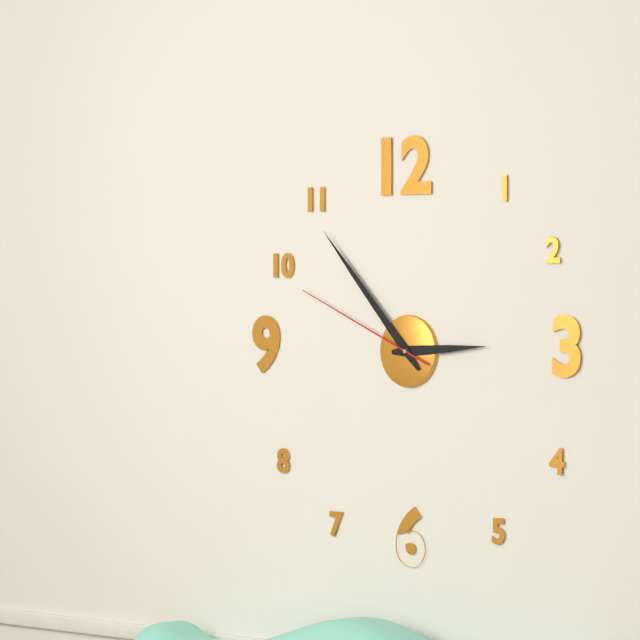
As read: 2.53.49
